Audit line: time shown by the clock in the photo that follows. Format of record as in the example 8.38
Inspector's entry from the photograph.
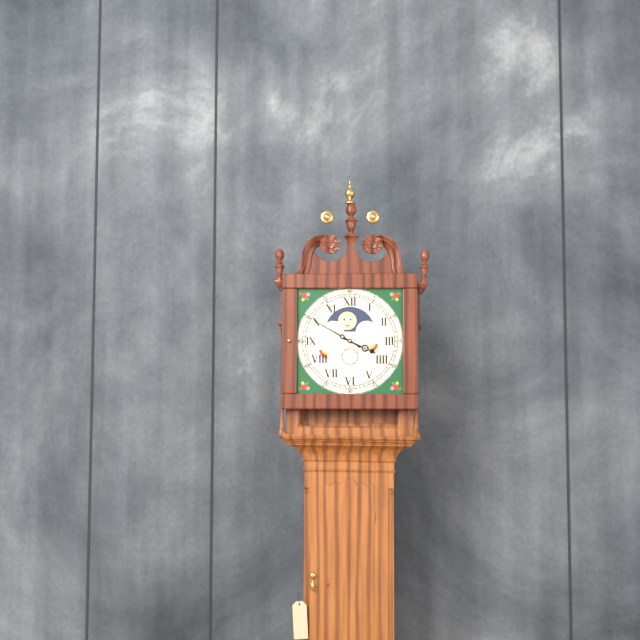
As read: 3.50
